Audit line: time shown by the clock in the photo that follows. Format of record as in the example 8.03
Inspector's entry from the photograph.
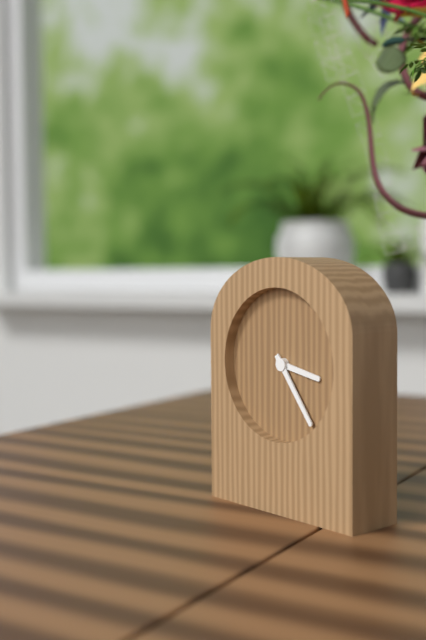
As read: 3.24
